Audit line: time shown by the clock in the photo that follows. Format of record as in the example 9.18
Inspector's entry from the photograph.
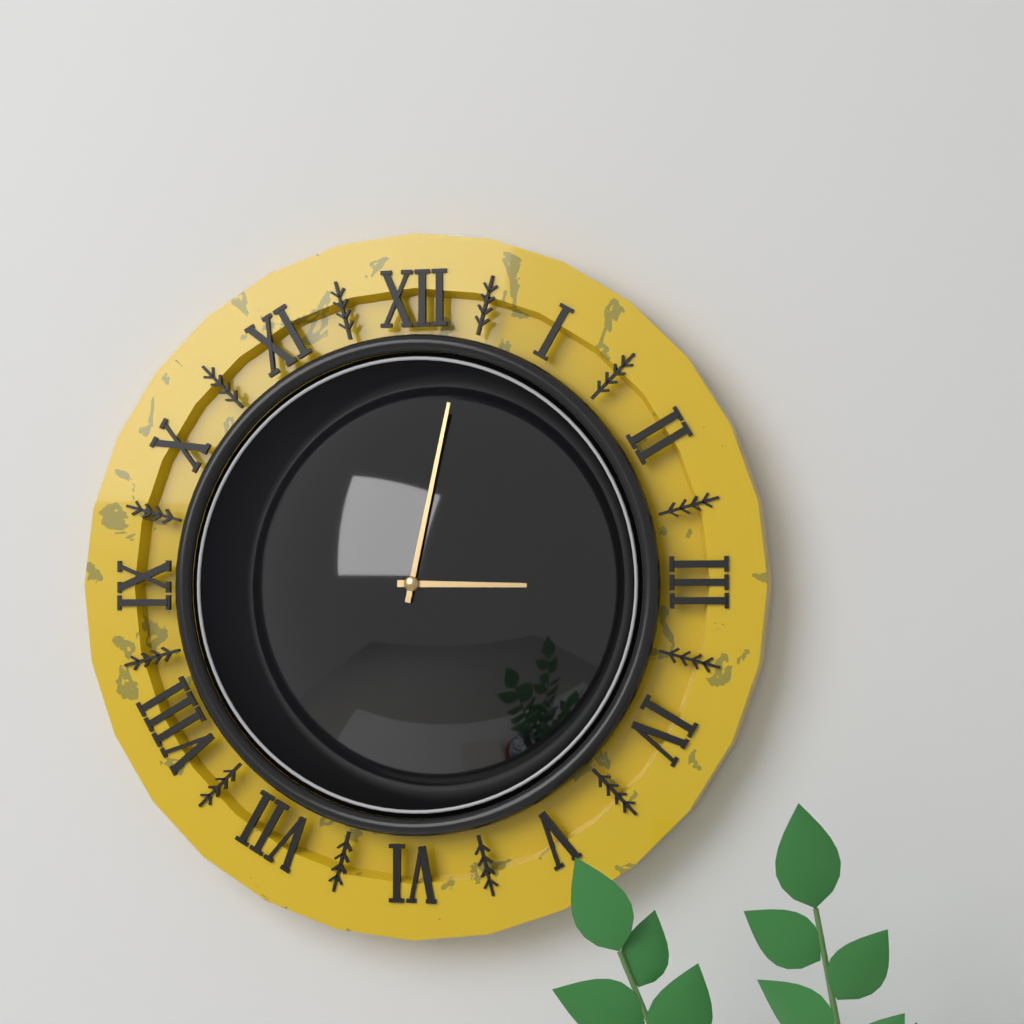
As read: 3.02
